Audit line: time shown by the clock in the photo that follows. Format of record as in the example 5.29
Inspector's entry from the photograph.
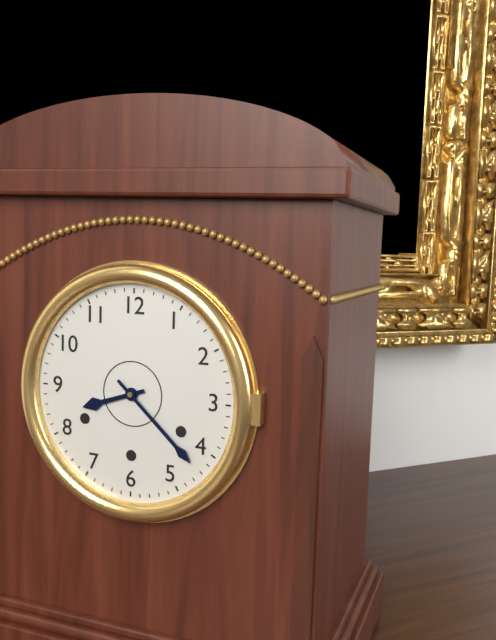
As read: 8.22
